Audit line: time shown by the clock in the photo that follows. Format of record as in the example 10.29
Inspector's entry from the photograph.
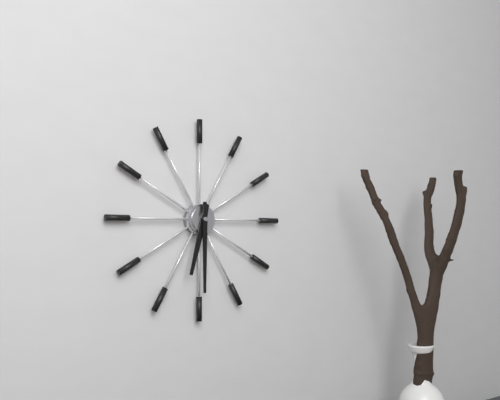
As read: 6.30
